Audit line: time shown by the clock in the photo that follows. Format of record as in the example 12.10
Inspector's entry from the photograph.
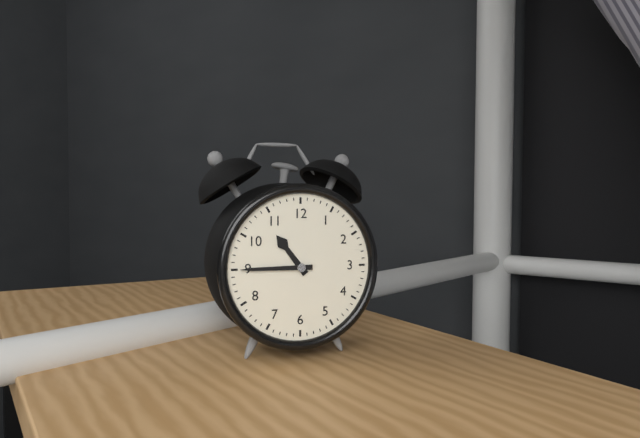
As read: 10.45
